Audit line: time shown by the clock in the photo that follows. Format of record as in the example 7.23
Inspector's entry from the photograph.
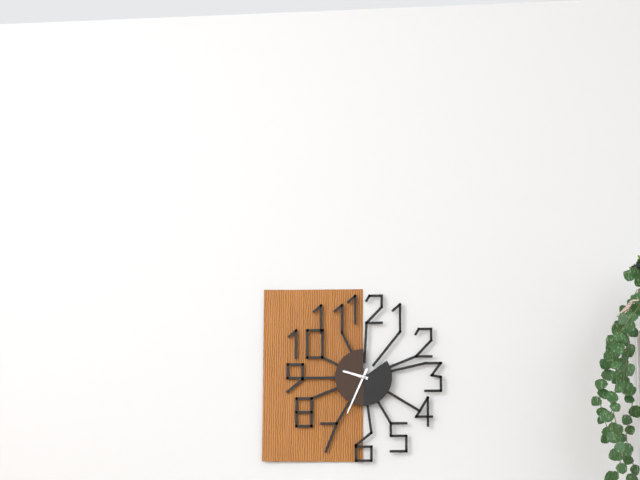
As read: 9.34
